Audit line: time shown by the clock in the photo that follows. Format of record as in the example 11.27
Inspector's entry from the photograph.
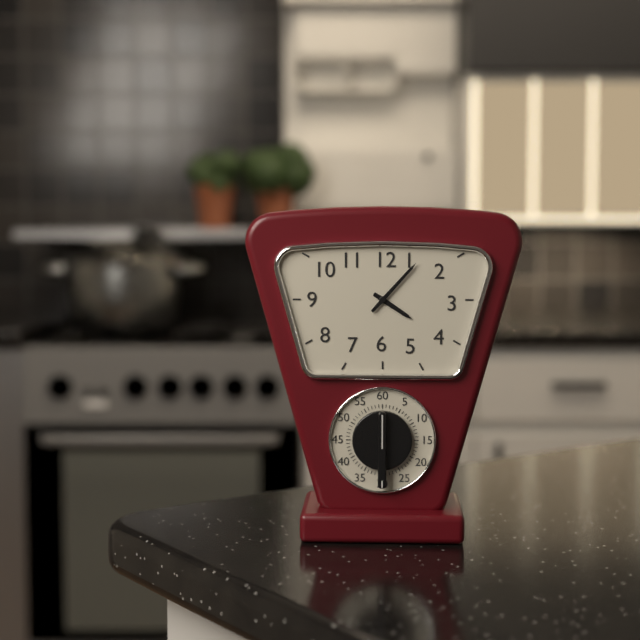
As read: 4.07
